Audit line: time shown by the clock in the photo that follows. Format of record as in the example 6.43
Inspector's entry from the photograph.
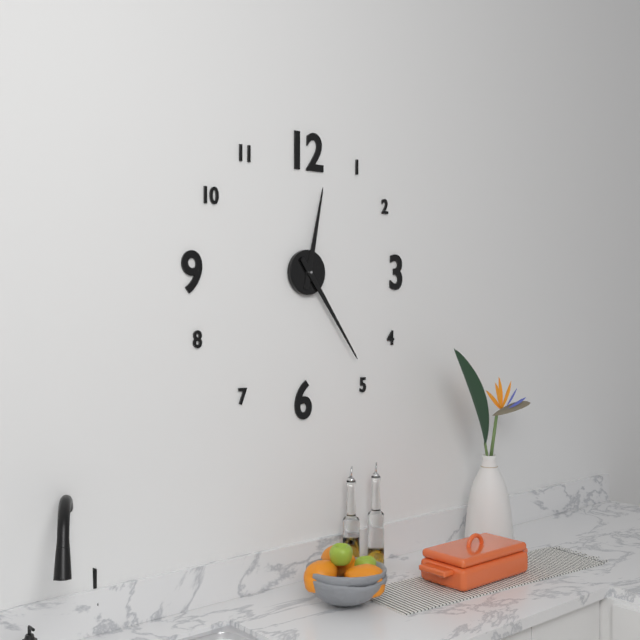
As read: 12.24
